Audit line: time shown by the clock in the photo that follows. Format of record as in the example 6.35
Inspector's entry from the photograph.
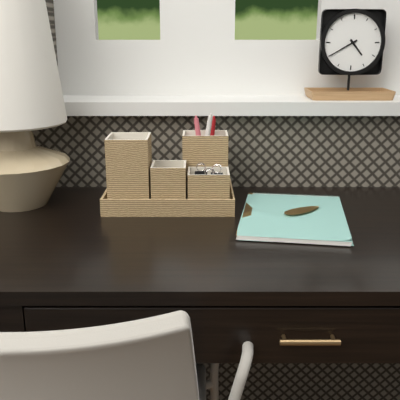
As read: 4.40
